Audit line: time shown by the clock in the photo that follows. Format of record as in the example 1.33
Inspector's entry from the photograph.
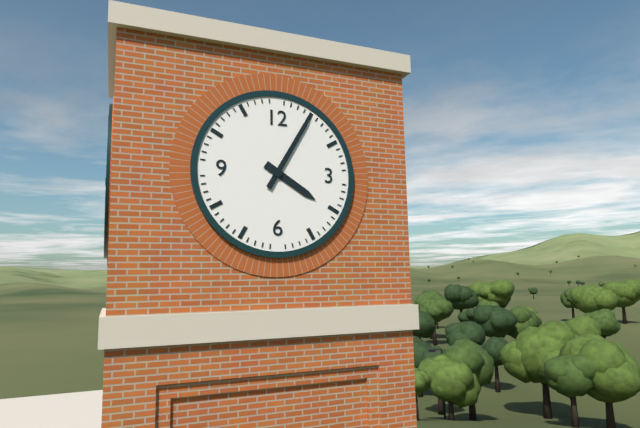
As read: 4.05
